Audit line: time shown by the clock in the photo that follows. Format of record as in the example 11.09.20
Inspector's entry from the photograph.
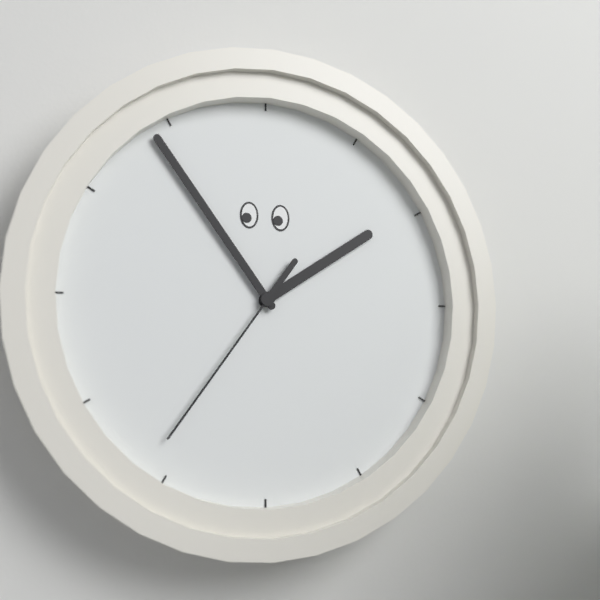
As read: 1.54.36
